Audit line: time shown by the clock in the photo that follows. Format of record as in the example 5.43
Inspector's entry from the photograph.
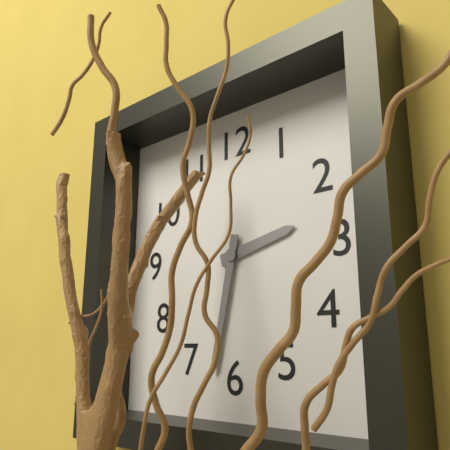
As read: 2.32
